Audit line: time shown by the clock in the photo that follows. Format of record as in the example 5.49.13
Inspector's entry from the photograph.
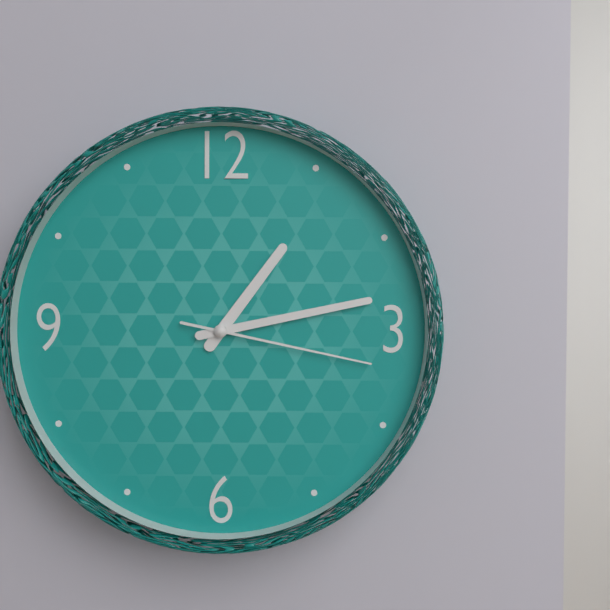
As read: 1.13.17
